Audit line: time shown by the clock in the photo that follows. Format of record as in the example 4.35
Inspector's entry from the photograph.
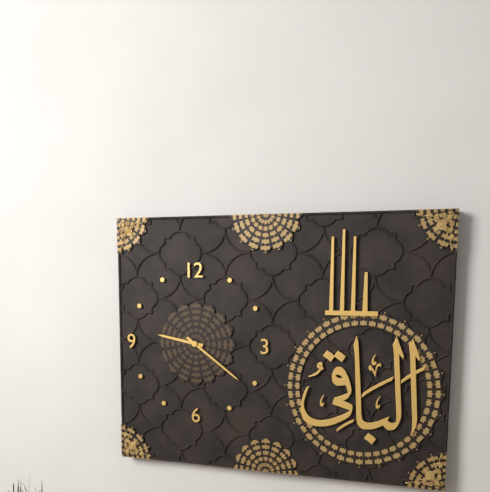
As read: 9.21
